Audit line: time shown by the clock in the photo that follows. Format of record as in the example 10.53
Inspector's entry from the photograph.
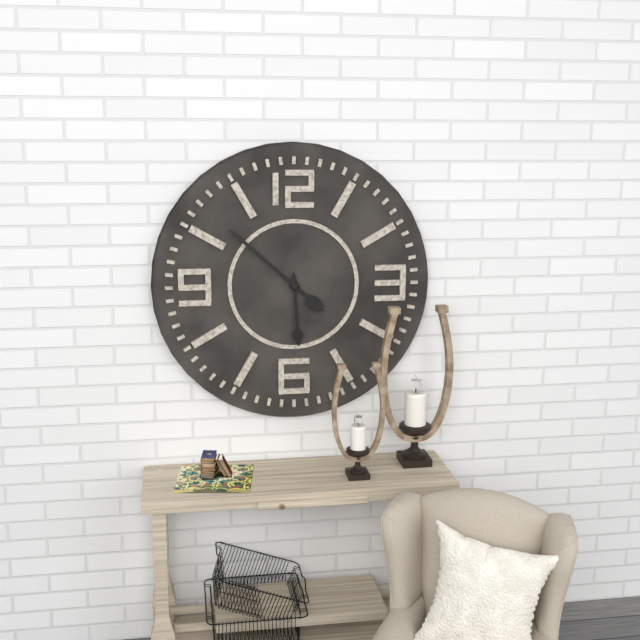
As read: 5.52
